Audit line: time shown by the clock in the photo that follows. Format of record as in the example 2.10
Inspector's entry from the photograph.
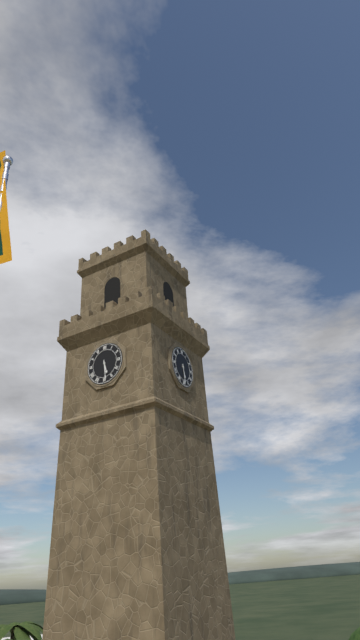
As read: 5.29
